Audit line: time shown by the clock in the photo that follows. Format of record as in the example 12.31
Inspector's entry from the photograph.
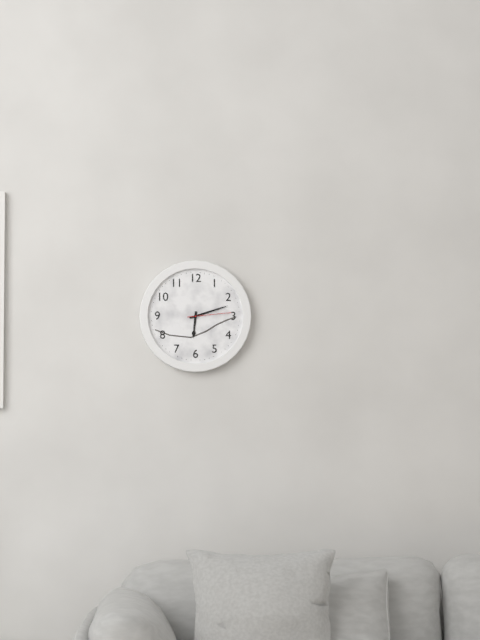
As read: 6.12
